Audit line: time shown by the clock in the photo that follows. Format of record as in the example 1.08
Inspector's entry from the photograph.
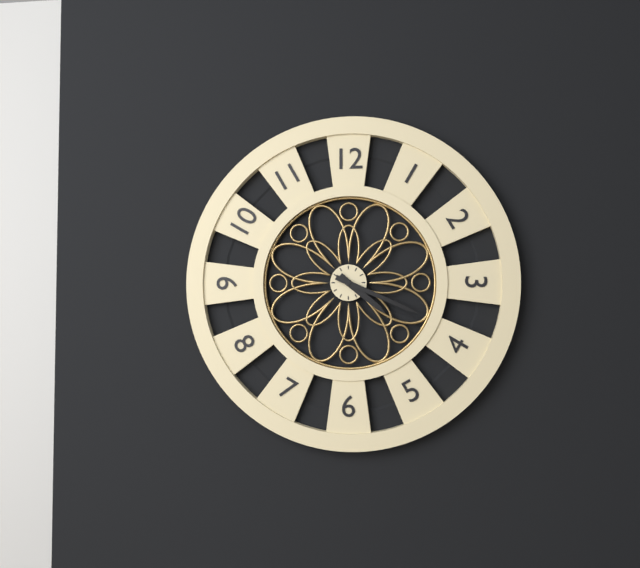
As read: 4.19
